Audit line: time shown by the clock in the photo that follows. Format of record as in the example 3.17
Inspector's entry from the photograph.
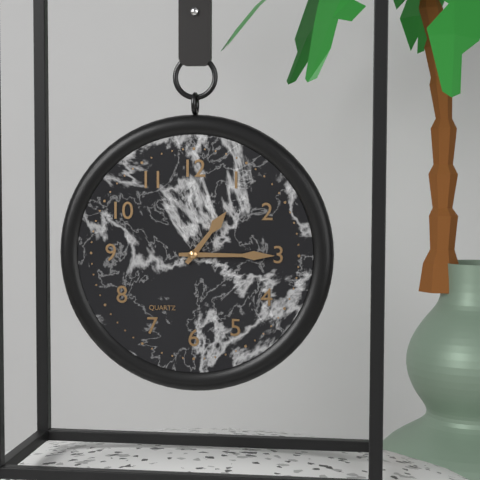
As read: 1.15
